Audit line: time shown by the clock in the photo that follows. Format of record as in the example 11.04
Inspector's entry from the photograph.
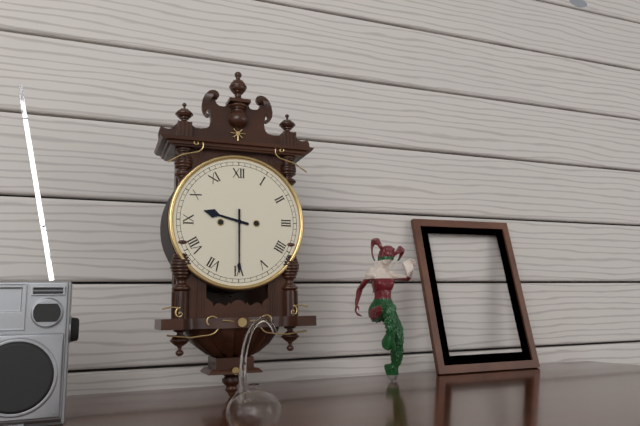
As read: 9.30
